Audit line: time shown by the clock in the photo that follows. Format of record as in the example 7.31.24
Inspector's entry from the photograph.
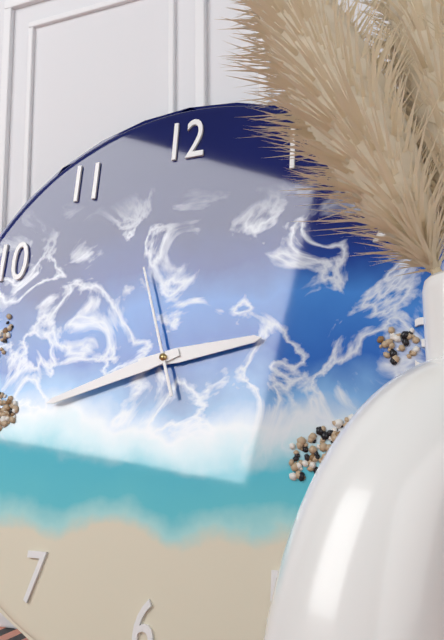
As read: 2.42.57
